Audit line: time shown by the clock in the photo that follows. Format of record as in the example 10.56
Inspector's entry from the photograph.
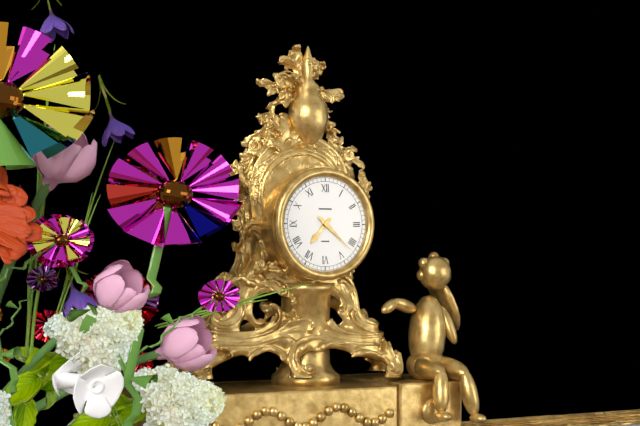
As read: 7.22
